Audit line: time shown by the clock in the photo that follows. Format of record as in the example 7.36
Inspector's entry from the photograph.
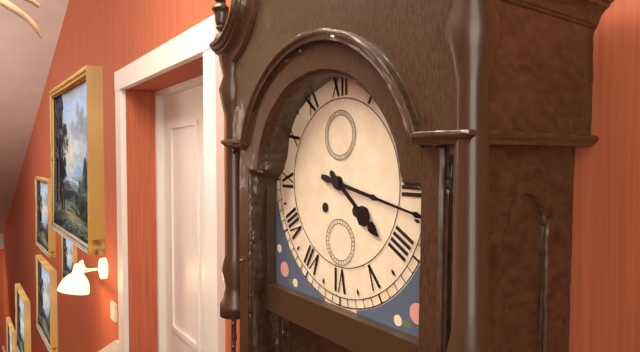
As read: 4.17
